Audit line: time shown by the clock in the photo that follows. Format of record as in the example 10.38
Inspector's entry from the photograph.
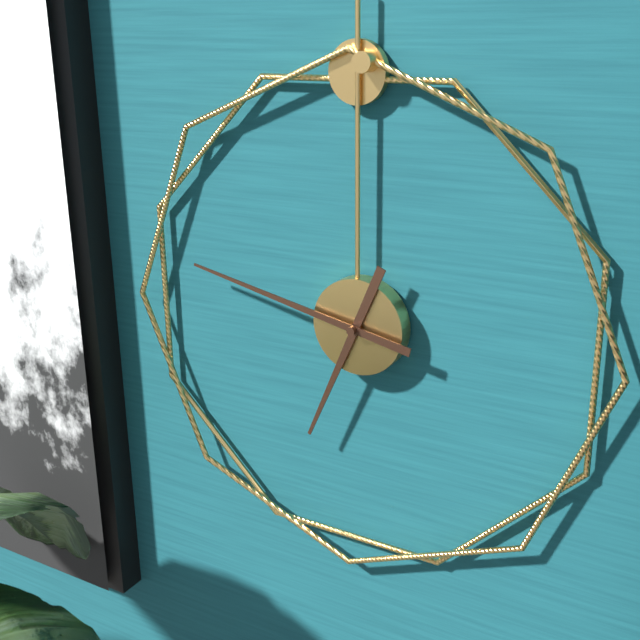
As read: 6.47
